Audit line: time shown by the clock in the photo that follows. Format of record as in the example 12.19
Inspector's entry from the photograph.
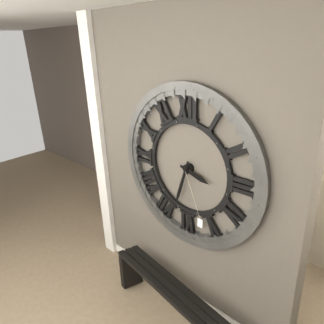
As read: 3.33
